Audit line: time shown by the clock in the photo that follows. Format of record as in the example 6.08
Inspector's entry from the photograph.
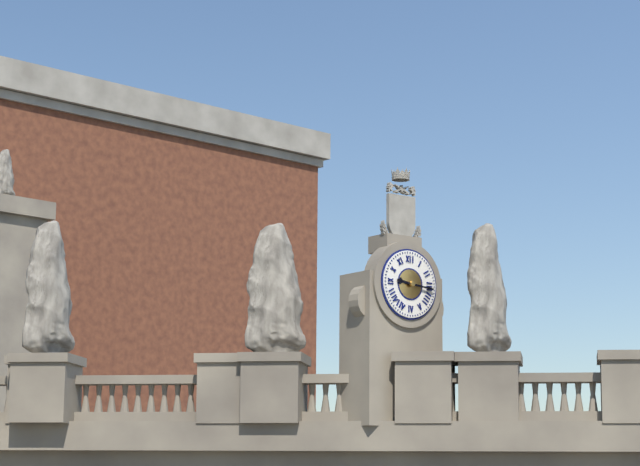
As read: 9.16
